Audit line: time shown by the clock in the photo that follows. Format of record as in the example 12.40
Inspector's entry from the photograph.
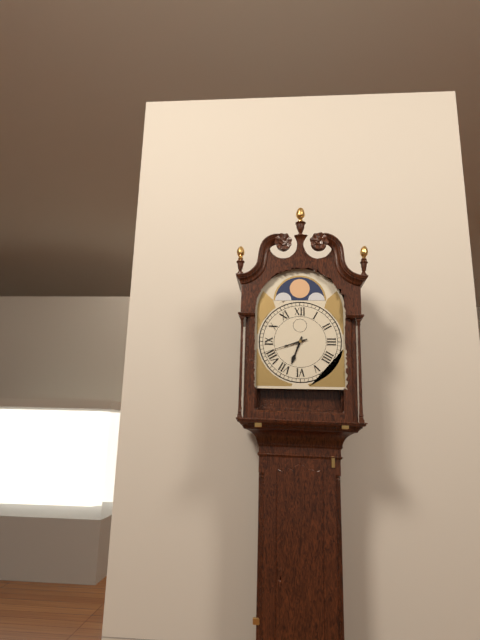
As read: 6.42
